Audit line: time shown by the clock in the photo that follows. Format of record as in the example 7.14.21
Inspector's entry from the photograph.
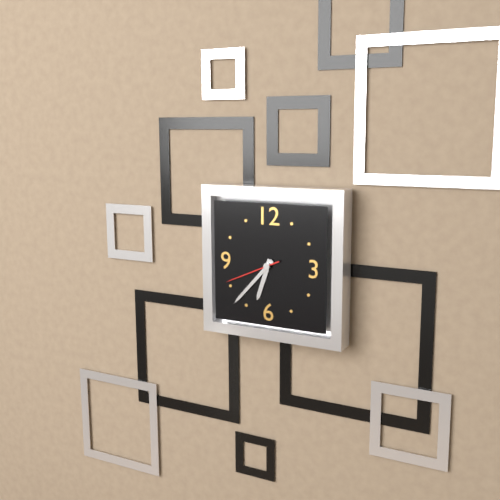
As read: 6.37.41
